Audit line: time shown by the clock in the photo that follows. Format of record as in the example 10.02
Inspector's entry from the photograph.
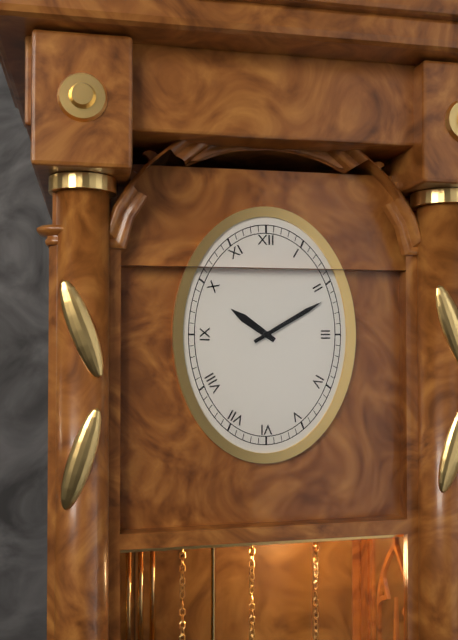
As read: 10.10
